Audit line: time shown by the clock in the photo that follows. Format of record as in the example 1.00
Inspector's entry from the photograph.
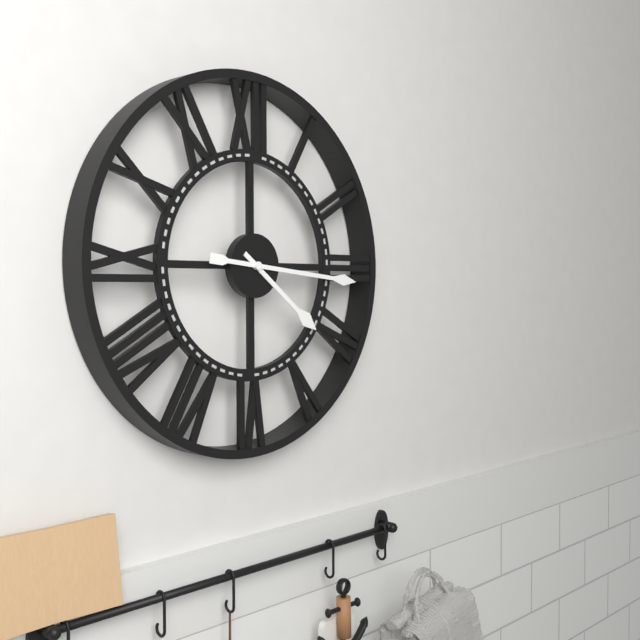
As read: 4.16
